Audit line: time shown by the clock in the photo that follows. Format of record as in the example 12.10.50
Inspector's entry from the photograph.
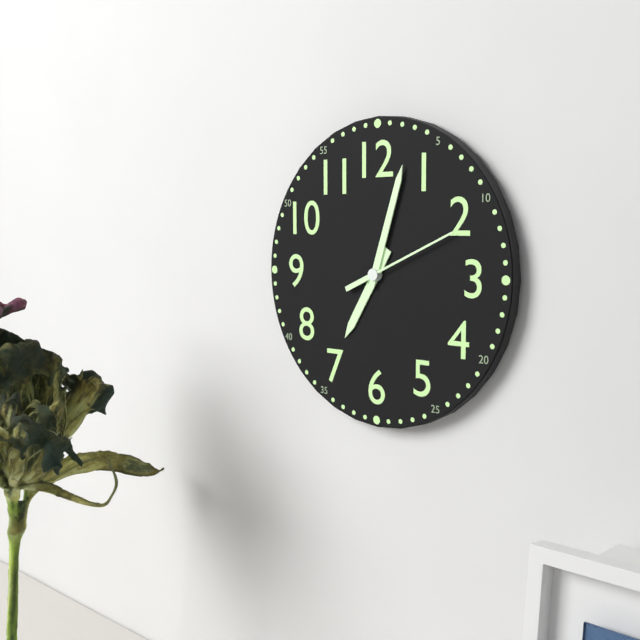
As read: 7.03.11
